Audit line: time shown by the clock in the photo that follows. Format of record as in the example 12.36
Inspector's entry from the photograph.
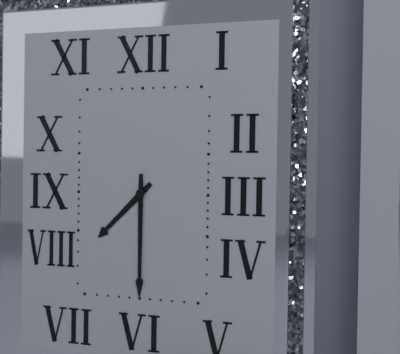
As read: 7.30
